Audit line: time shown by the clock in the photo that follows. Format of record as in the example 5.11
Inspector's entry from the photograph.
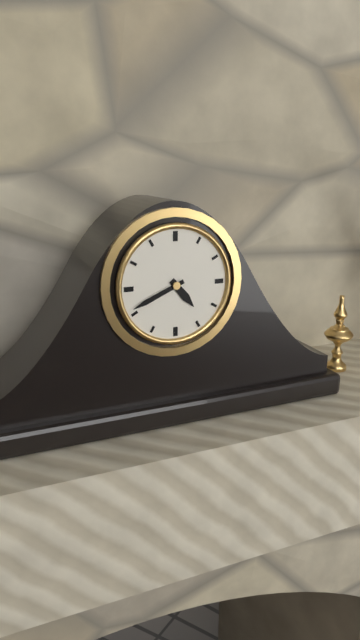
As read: 4.41
